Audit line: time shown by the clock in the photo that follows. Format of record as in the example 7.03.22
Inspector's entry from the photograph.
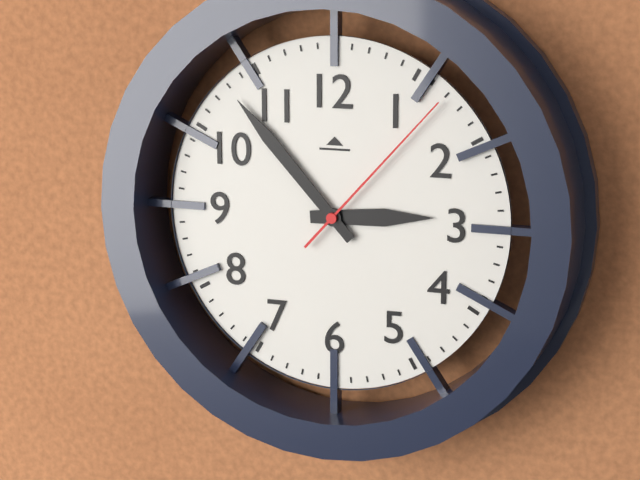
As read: 2.53.07
